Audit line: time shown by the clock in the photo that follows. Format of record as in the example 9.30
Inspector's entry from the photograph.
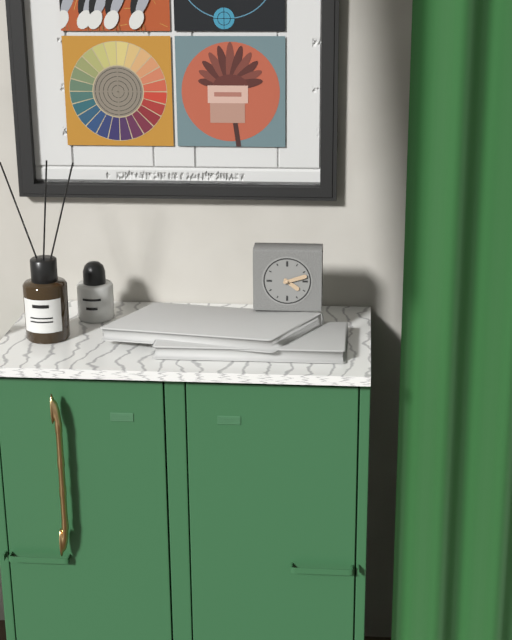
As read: 4.12
